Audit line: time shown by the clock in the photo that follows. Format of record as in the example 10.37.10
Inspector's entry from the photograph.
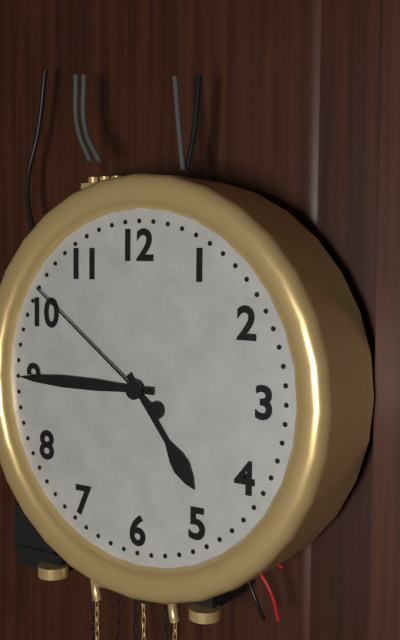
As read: 4.45.51
